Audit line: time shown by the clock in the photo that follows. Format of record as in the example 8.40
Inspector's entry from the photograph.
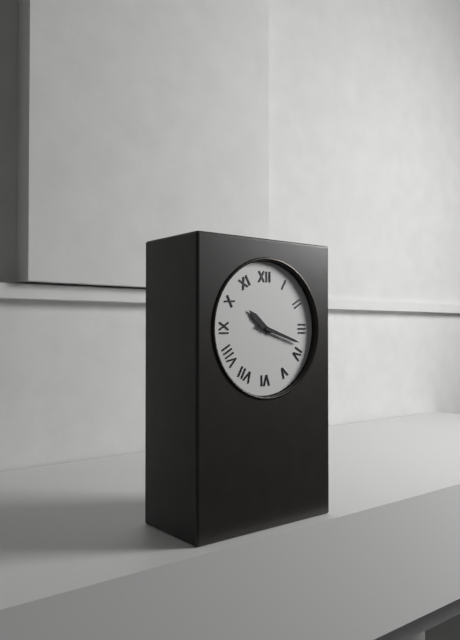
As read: 10.18
